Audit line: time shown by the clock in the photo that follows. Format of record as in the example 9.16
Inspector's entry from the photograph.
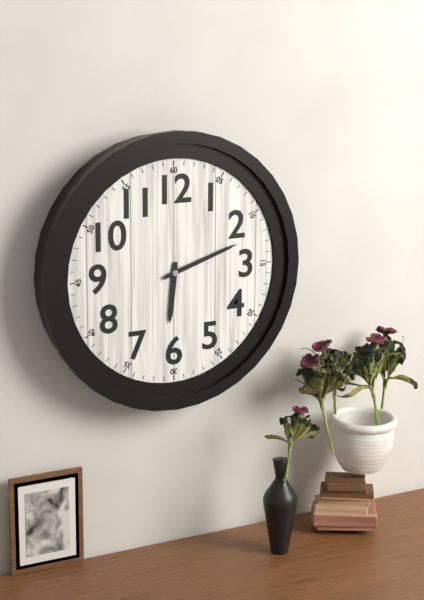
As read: 6.12
